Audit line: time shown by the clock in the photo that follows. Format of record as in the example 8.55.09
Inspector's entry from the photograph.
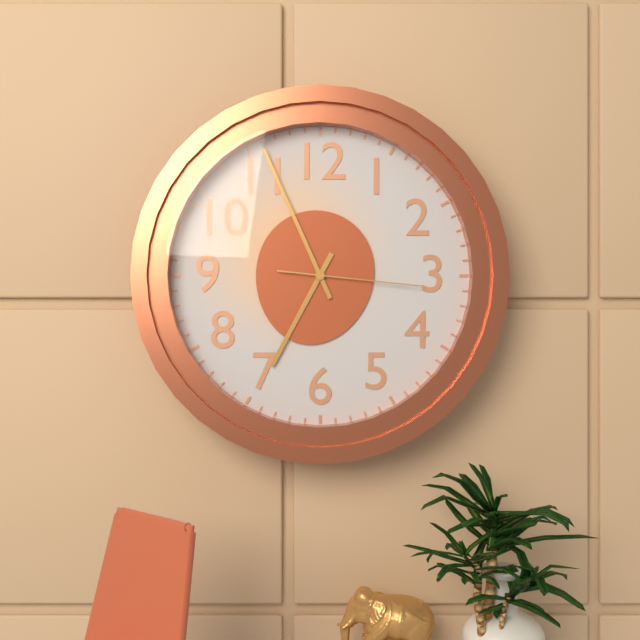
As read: 6.56.16
